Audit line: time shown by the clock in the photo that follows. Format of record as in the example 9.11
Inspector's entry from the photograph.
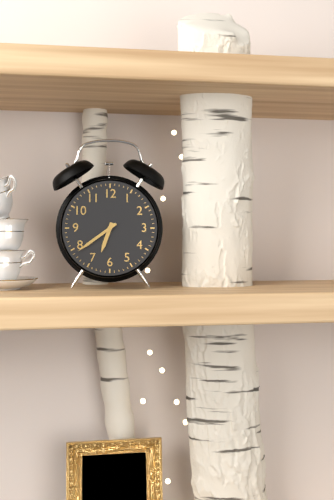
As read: 6.39
